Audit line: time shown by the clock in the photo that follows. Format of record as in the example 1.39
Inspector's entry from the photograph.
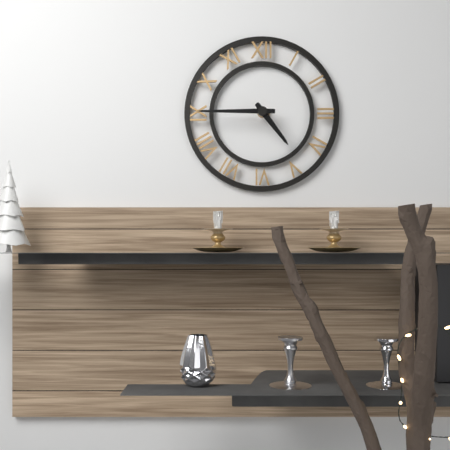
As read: 4.45
